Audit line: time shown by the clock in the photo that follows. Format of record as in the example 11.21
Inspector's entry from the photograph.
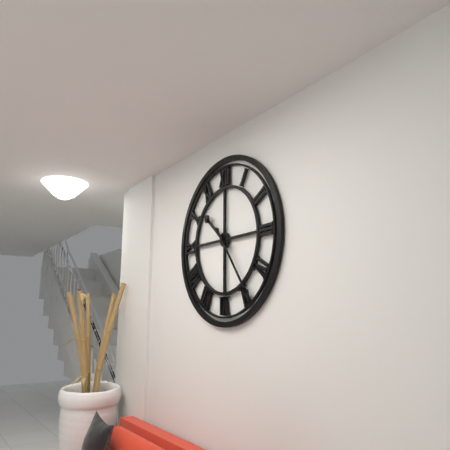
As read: 10.24
